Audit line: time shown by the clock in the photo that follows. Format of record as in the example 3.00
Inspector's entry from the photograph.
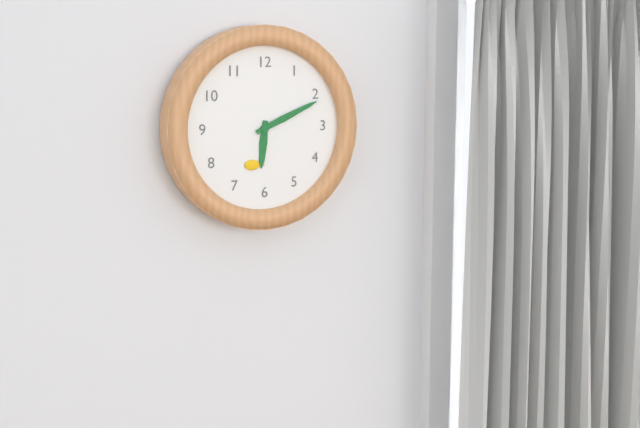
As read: 6.11
